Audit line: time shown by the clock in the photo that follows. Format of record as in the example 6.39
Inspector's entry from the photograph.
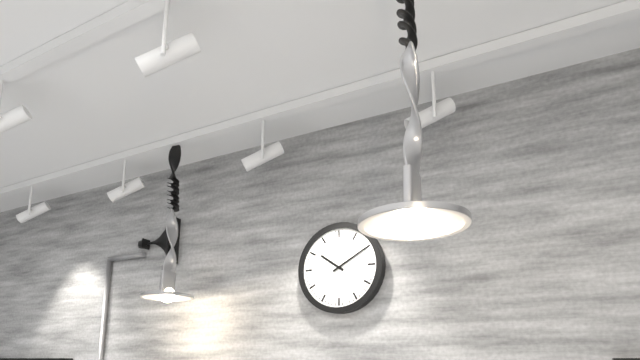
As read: 10.10
